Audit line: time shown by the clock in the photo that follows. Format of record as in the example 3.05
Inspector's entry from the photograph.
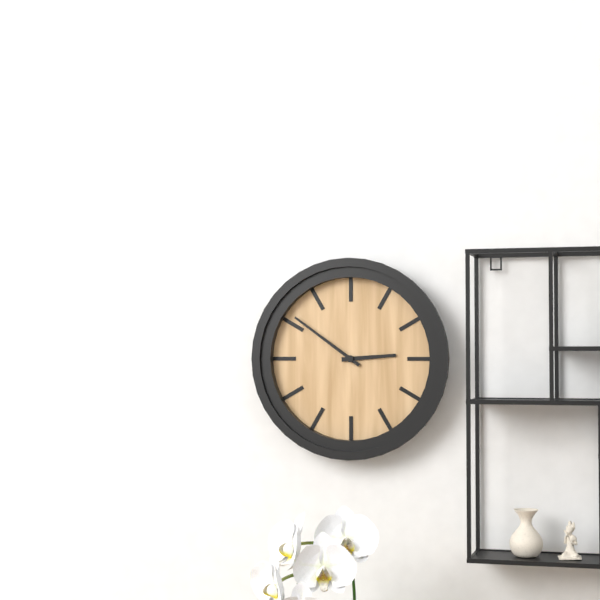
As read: 2.51
